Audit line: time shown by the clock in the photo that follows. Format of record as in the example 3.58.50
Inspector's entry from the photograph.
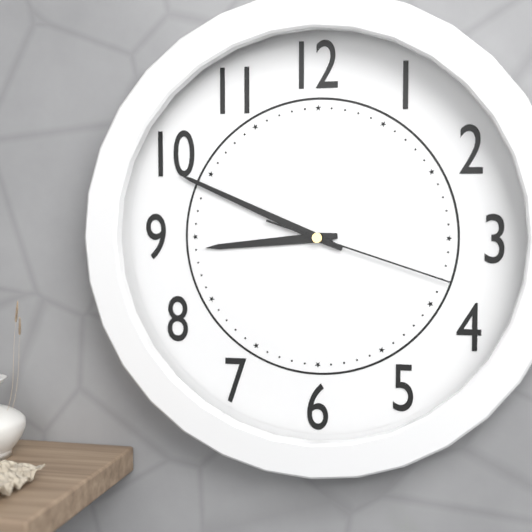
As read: 8.49.18
